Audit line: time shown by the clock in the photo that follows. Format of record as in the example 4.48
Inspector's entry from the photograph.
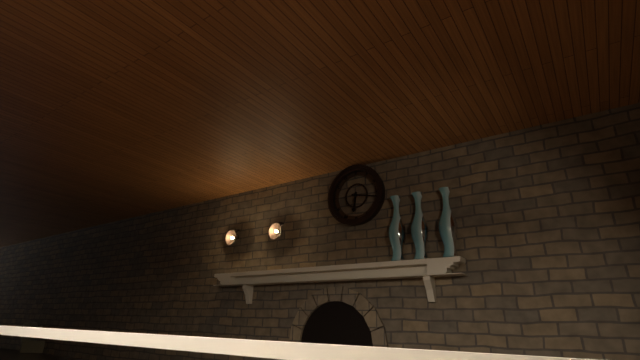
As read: 6.17
